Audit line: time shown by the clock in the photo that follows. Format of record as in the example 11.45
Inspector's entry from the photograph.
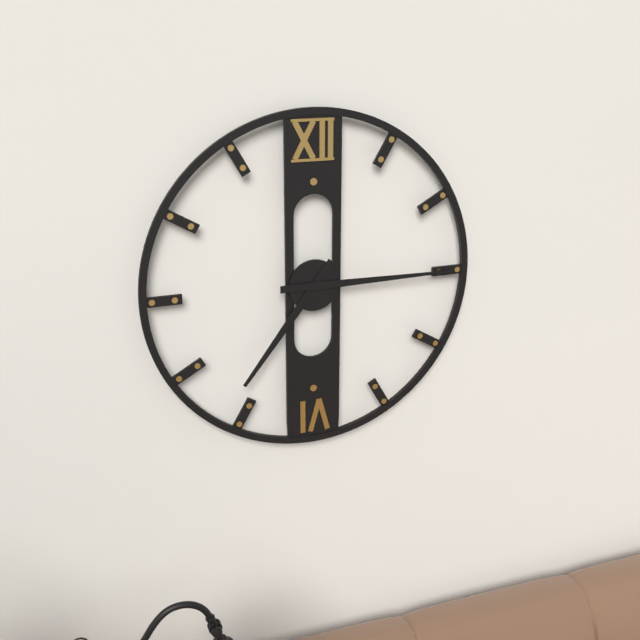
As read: 7.15
